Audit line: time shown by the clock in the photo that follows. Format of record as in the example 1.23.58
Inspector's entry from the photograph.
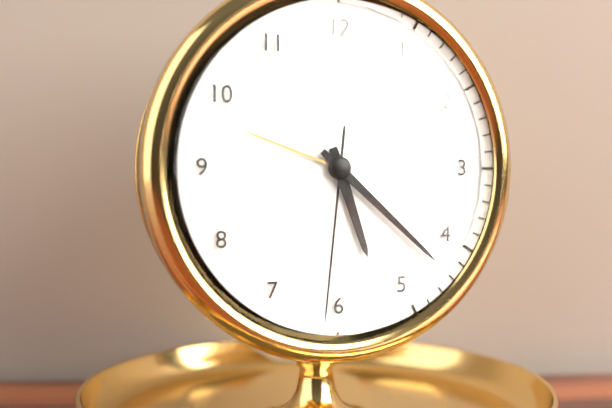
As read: 5.22.31
